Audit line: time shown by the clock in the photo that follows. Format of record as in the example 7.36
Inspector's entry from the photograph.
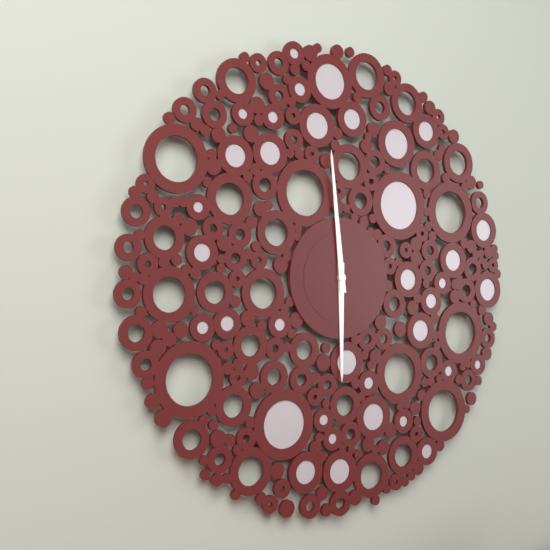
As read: 5.59
